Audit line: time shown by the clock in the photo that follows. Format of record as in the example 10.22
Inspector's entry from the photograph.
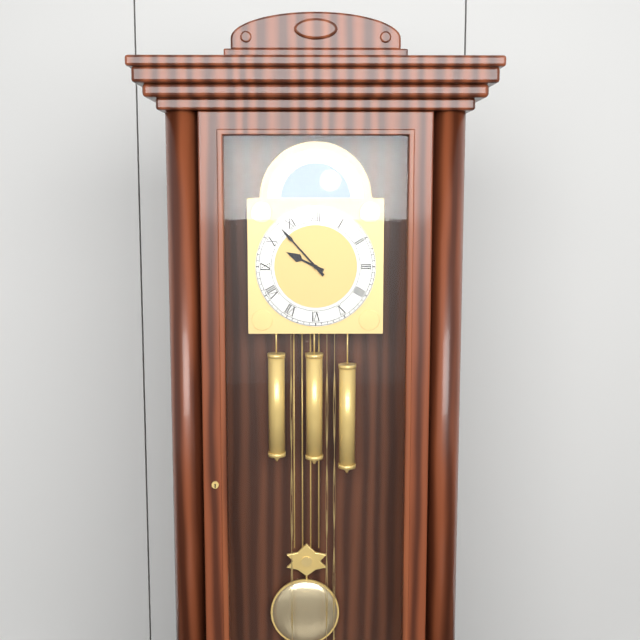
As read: 9.53
